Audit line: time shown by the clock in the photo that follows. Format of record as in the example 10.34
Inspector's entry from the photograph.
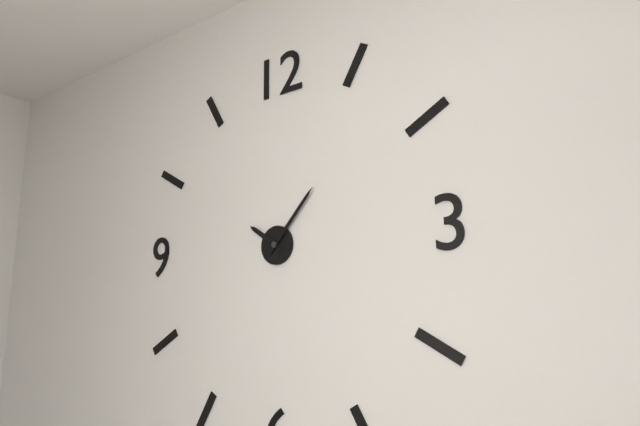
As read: 10.07
